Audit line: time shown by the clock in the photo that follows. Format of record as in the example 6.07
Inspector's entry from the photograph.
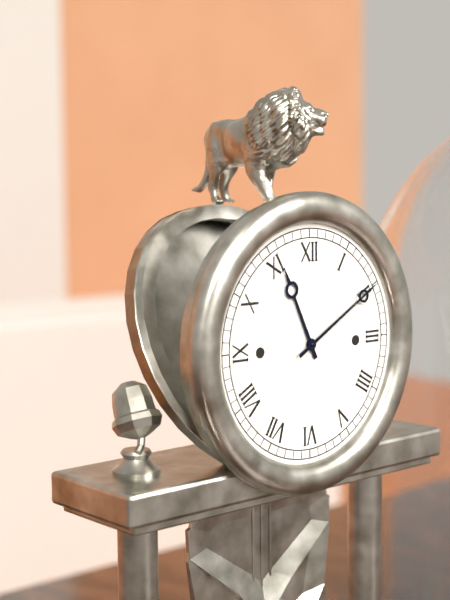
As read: 11.10
